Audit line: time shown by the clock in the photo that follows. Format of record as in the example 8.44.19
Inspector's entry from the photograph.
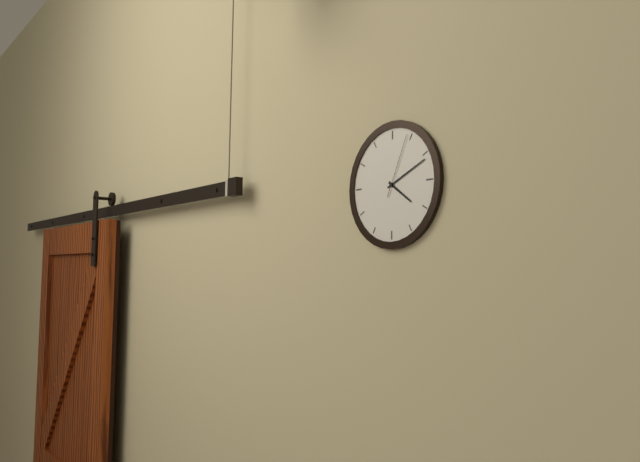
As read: 4.11.04
